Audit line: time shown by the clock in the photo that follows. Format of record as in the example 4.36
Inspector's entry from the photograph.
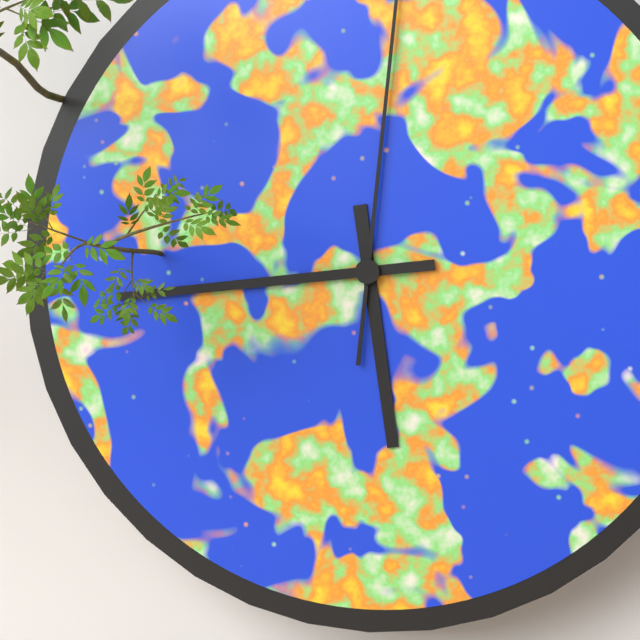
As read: 5.44
